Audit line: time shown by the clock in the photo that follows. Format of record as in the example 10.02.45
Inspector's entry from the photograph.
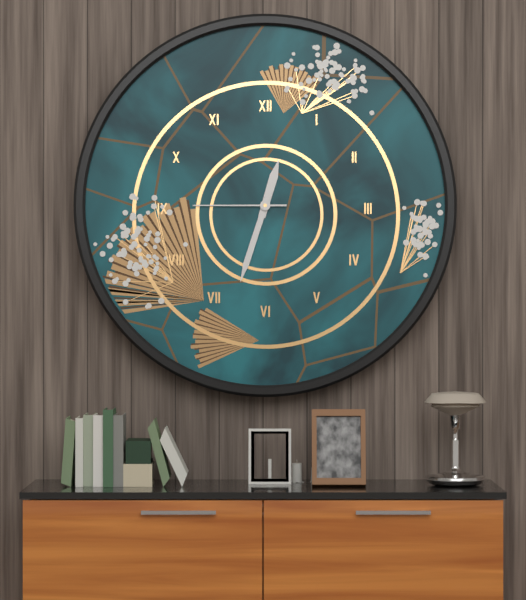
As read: 12.33.45
